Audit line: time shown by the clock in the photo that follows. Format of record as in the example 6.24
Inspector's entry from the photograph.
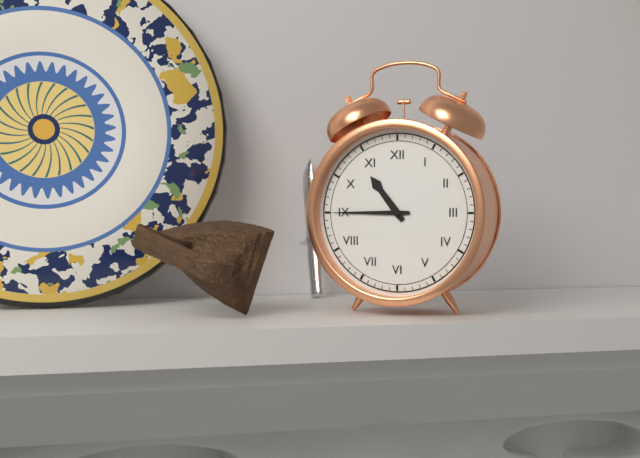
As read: 10.45
